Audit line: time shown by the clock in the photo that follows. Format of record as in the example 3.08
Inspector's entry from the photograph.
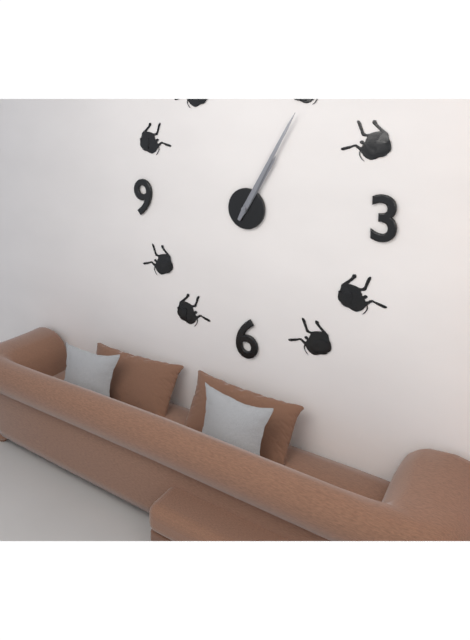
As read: 1.05
